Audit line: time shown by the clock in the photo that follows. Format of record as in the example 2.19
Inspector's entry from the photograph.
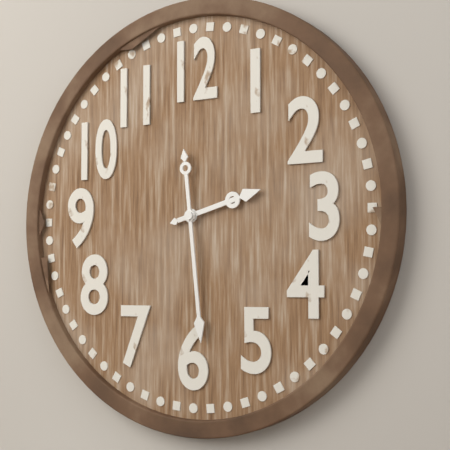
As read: 2.29
